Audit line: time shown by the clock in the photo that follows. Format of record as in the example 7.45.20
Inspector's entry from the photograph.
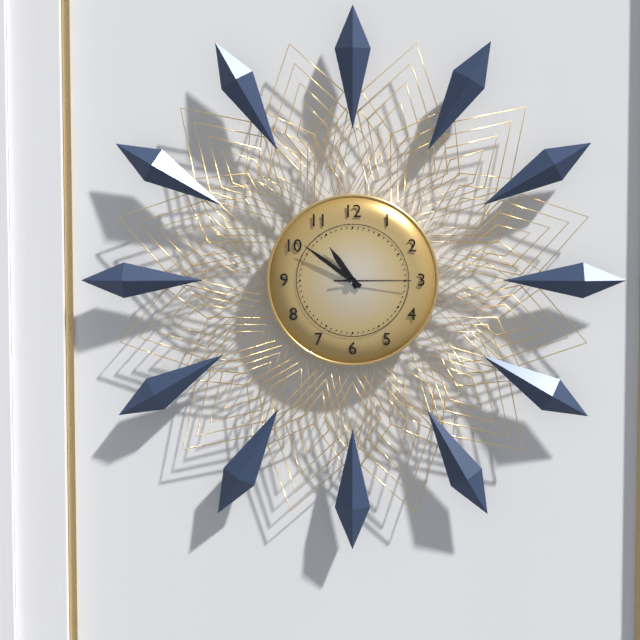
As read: 10.51.15
